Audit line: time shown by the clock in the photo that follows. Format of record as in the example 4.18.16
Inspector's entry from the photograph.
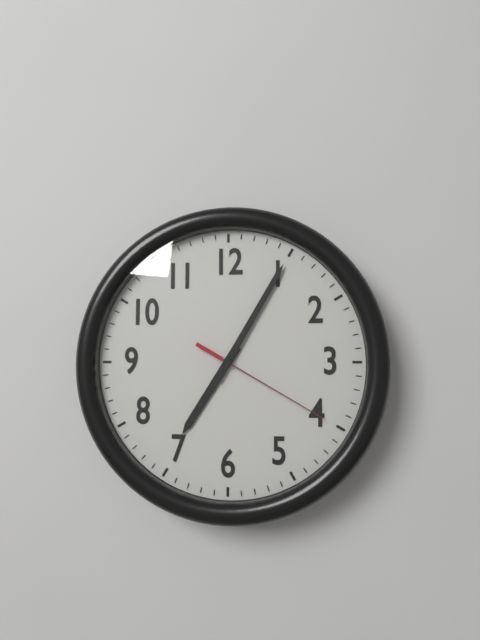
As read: 7.05.20
